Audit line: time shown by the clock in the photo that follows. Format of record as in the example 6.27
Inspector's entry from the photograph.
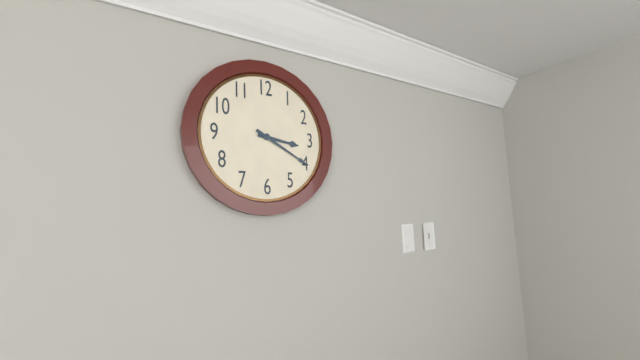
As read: 3.20
